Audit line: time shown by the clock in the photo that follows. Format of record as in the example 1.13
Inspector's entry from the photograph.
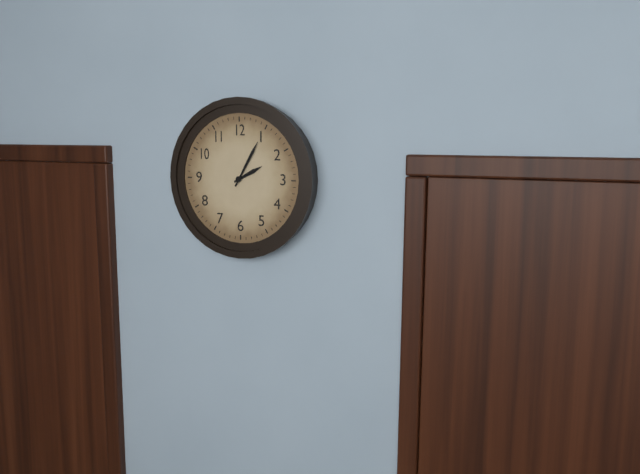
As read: 2.05
